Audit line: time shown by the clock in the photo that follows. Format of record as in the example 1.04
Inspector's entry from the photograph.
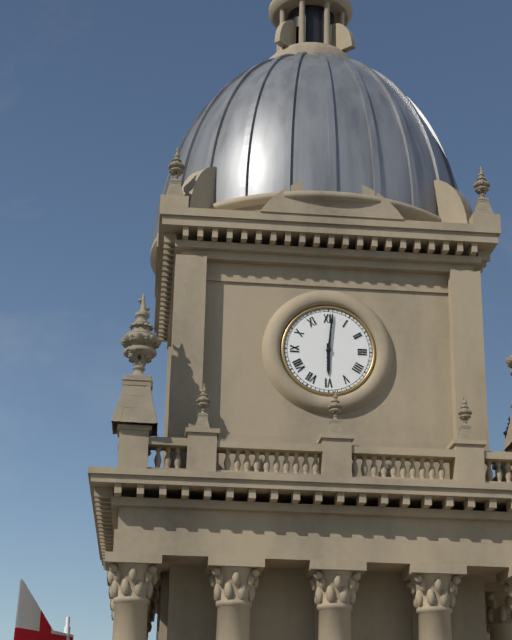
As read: 6.01
